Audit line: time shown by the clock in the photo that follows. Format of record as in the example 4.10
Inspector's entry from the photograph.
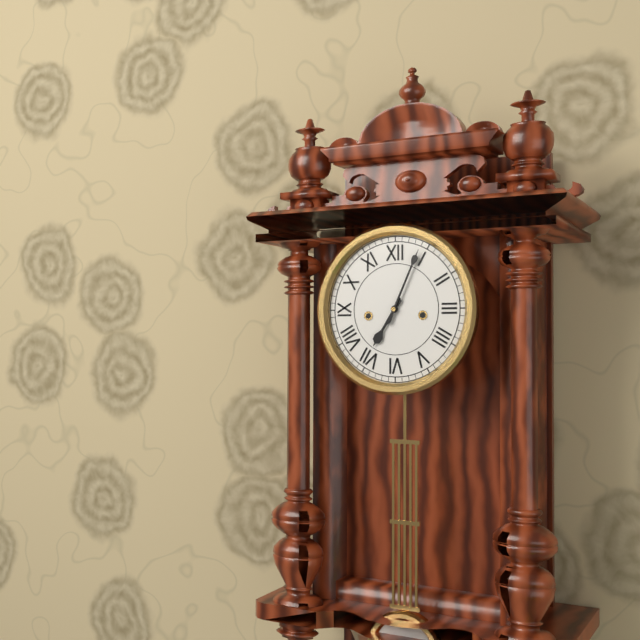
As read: 7.04
